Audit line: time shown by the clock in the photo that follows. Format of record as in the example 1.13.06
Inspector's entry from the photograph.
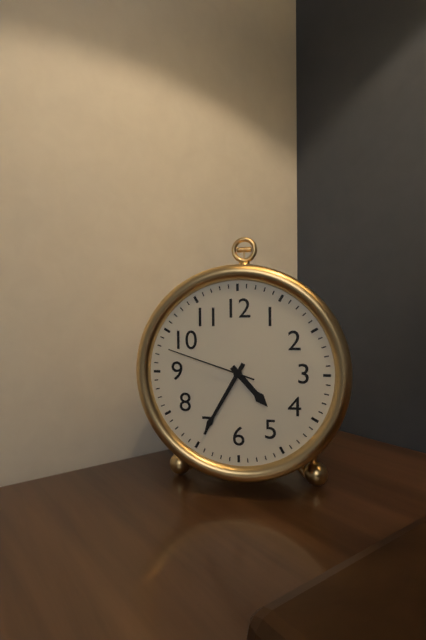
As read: 4.35.48
